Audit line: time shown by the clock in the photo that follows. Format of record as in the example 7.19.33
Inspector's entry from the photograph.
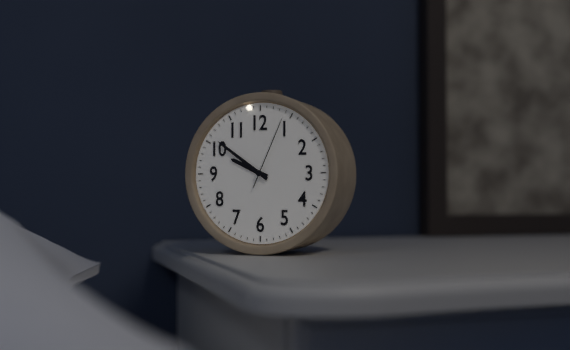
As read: 9.51.04
